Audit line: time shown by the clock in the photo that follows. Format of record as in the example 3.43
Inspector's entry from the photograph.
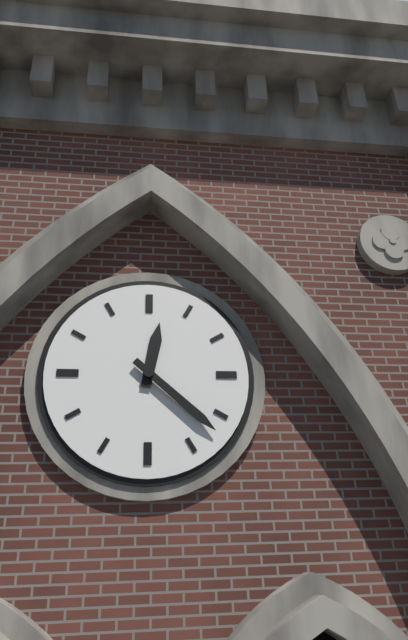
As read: 12.22
